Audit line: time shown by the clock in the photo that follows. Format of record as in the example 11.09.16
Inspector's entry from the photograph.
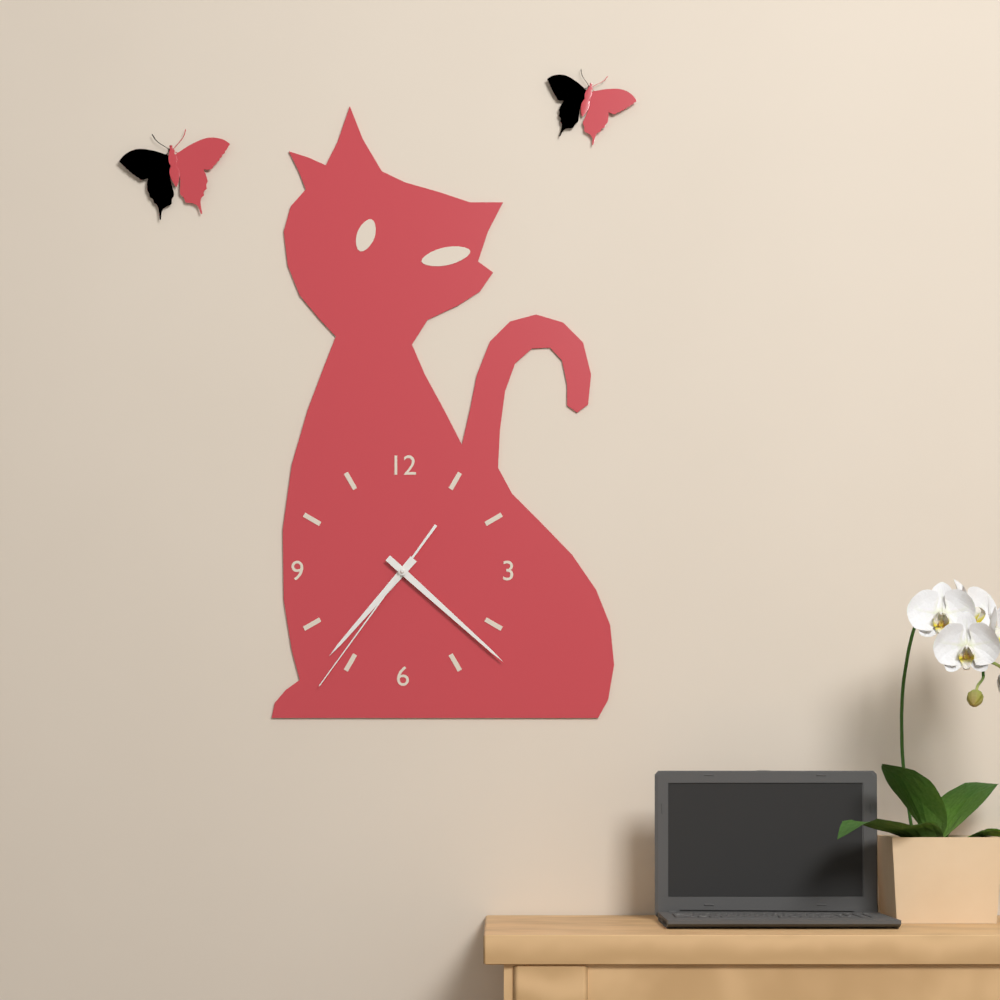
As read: 7.22.36
